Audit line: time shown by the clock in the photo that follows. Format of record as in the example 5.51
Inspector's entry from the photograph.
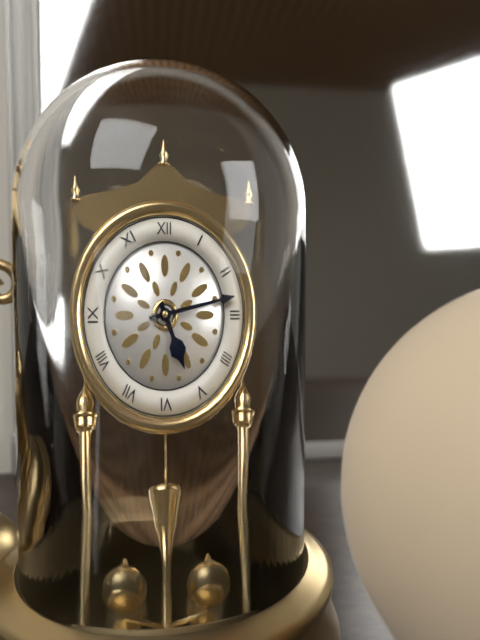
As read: 5.13
